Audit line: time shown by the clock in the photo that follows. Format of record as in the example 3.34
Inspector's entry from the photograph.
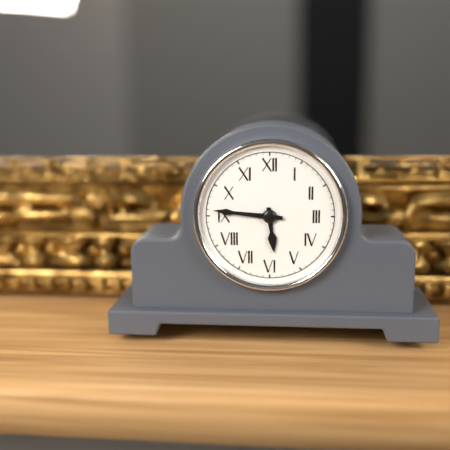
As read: 5.46
